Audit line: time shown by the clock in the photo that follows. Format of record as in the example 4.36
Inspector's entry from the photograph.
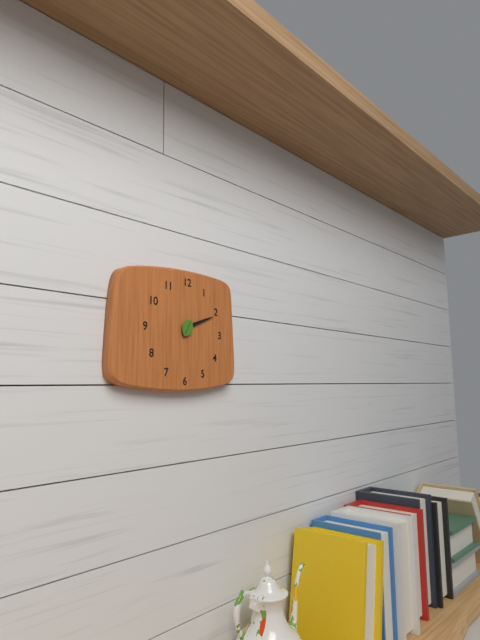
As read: 2.11
